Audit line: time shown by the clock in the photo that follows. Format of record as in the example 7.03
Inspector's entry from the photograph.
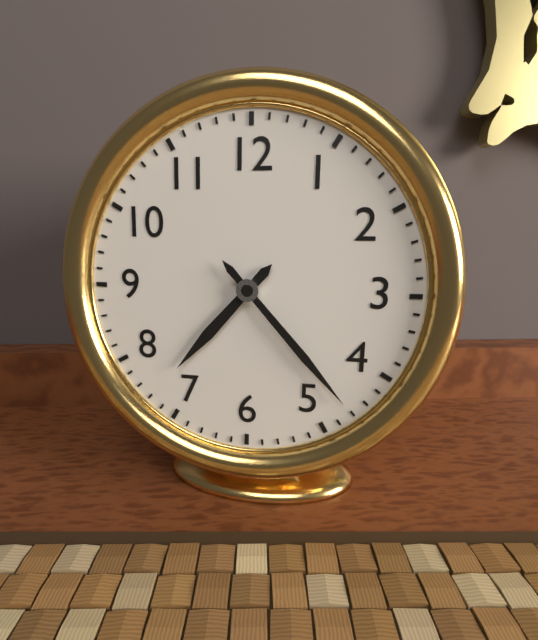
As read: 7.23
